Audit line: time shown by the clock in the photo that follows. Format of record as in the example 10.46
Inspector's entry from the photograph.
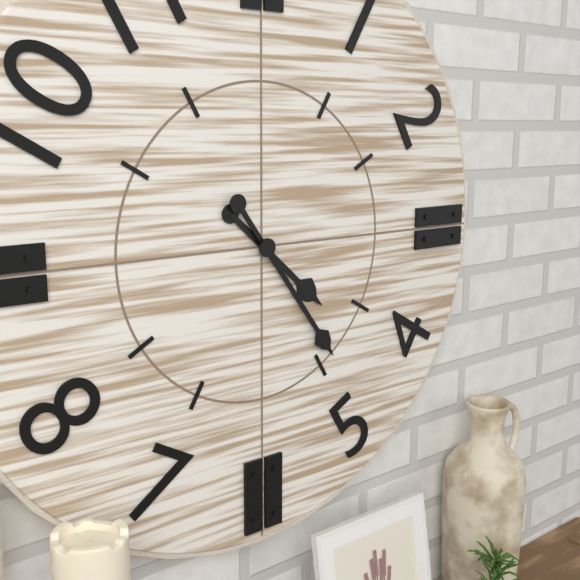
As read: 4.24
